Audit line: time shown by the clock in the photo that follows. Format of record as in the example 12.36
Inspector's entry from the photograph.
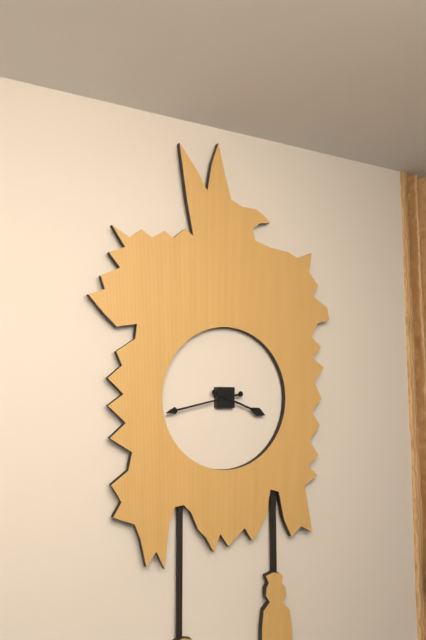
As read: 3.43
